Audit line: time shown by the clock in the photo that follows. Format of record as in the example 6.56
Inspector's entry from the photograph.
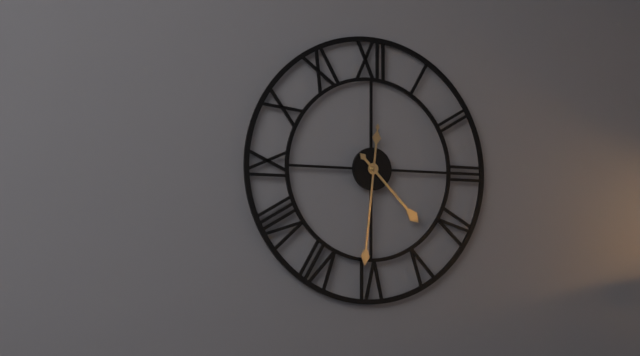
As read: 4.31
